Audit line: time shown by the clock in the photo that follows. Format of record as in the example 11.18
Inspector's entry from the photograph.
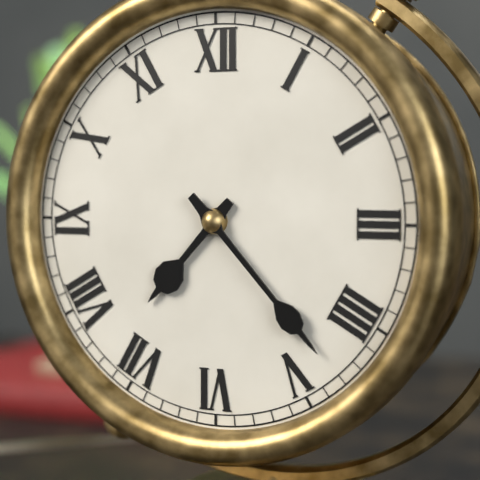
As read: 7.23
